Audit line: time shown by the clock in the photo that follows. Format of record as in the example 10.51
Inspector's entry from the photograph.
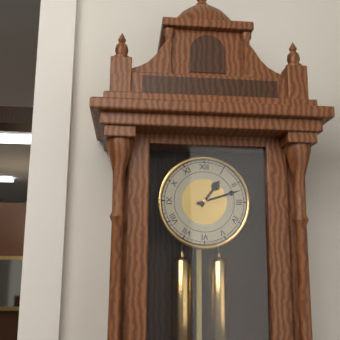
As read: 1.12
